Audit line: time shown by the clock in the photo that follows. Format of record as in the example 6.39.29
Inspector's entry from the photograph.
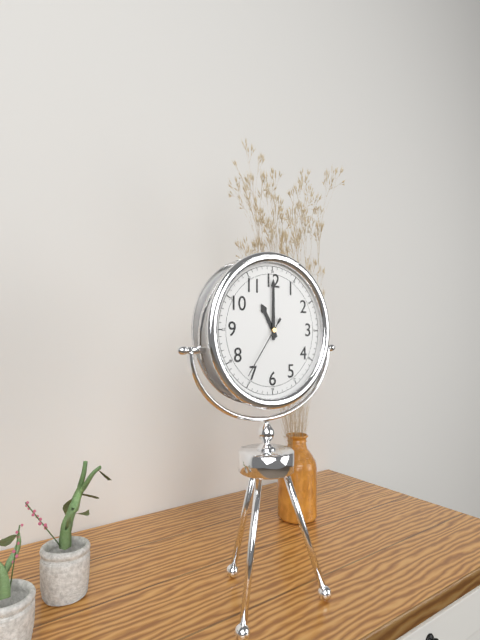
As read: 11.00.36
